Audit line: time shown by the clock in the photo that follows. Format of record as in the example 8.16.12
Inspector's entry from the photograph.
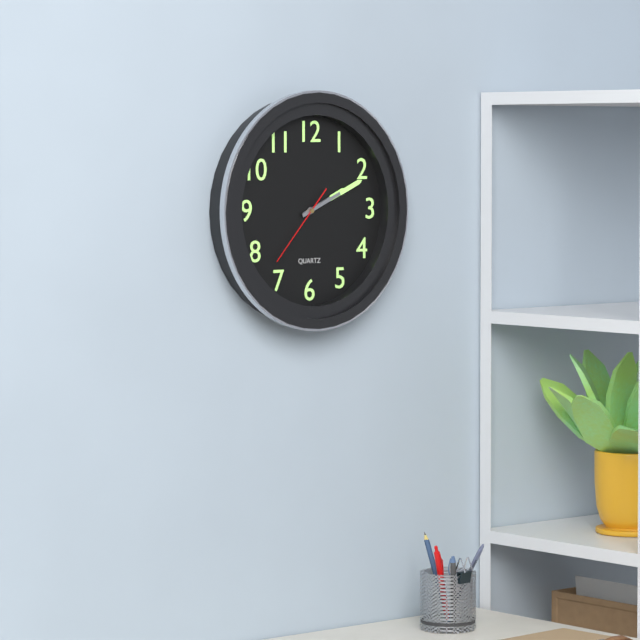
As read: 2.11.37
